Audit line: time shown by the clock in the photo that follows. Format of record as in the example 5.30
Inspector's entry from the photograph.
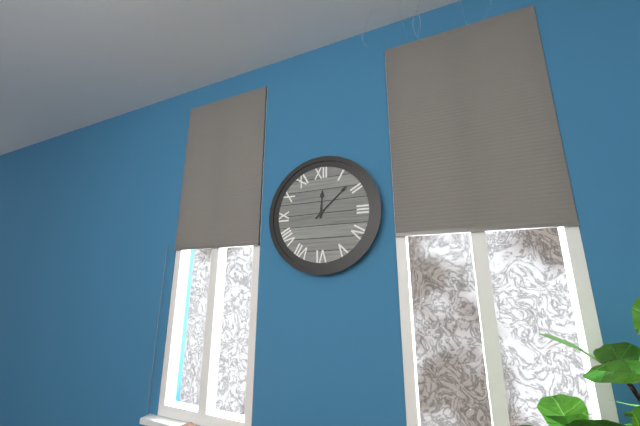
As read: 12.08
